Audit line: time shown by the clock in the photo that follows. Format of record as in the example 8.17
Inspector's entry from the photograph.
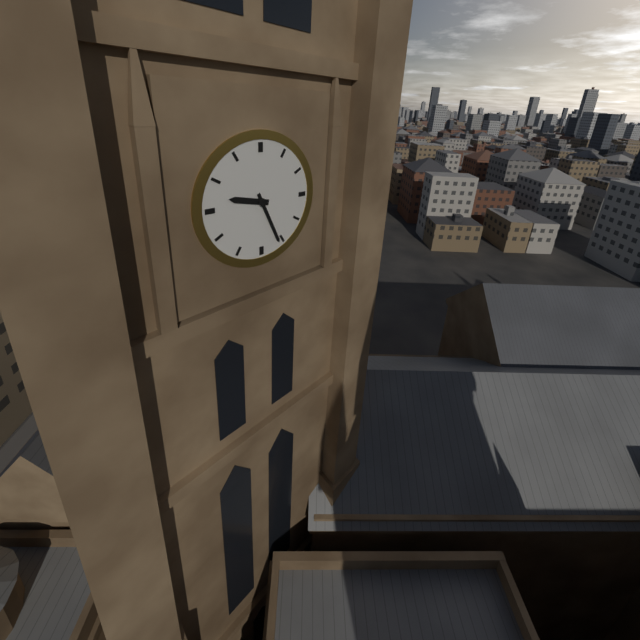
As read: 9.26
